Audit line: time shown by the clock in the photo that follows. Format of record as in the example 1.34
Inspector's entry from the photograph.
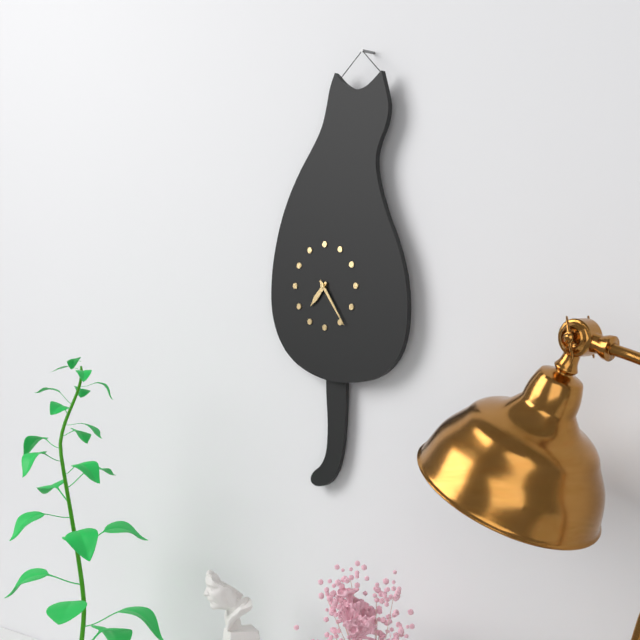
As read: 7.24
